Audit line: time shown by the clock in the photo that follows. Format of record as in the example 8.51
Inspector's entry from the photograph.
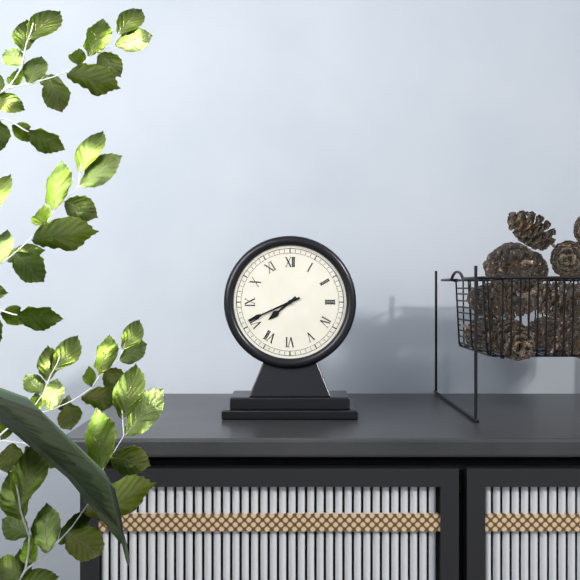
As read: 7.41
